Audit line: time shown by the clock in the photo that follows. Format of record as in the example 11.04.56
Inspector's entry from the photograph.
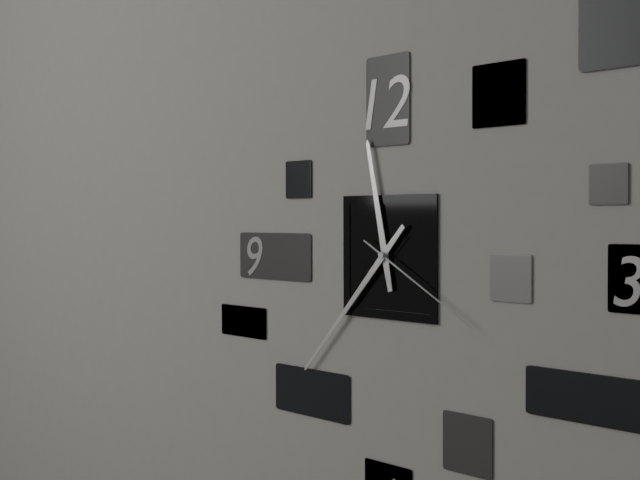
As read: 11.37.20
